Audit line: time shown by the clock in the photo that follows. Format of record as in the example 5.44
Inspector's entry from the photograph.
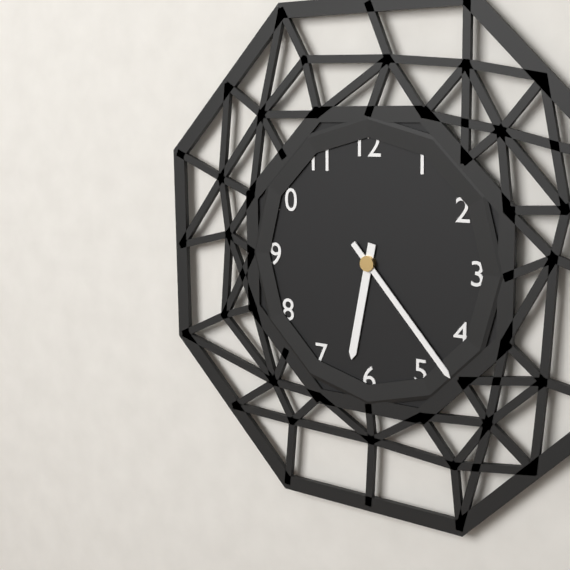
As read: 6.23
